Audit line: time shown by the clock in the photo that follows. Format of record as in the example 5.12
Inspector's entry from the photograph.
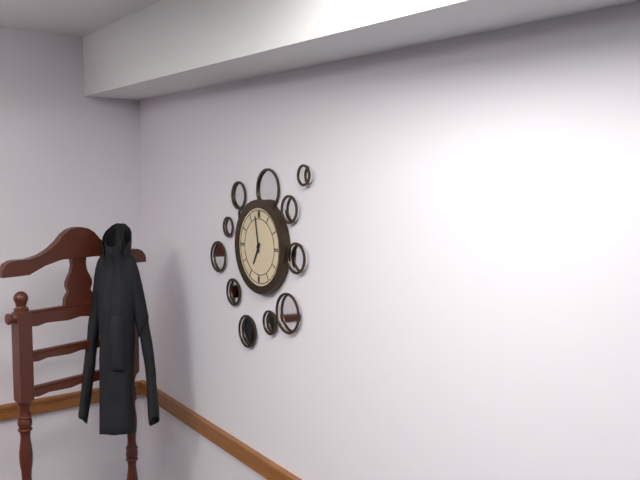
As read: 6.58
